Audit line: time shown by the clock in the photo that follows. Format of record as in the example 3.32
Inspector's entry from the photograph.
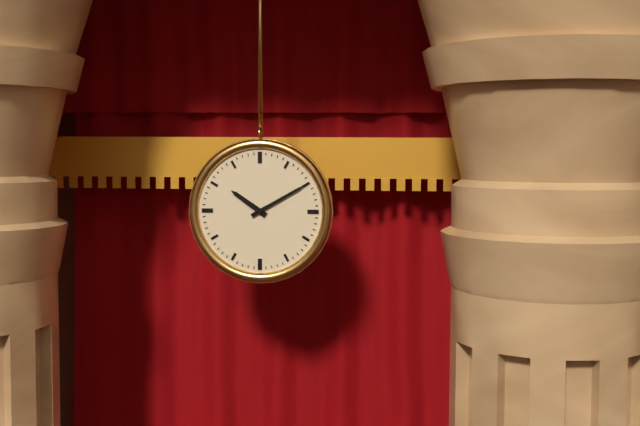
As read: 10.10
